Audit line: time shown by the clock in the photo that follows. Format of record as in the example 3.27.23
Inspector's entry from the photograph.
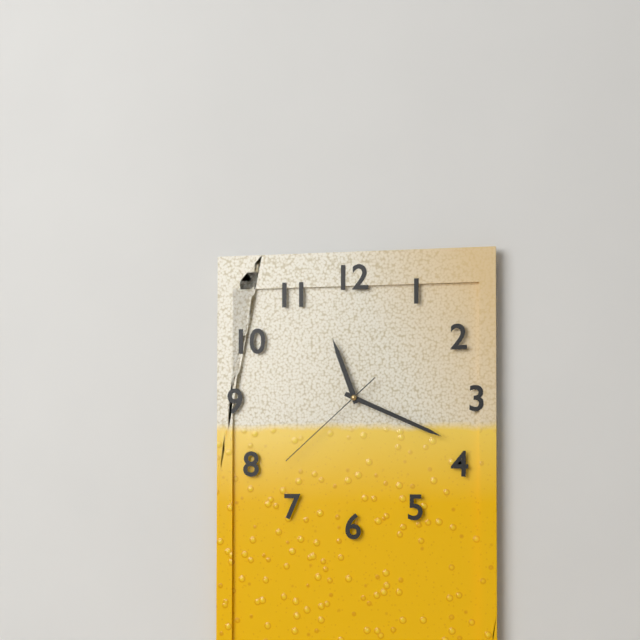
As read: 11.19.38
